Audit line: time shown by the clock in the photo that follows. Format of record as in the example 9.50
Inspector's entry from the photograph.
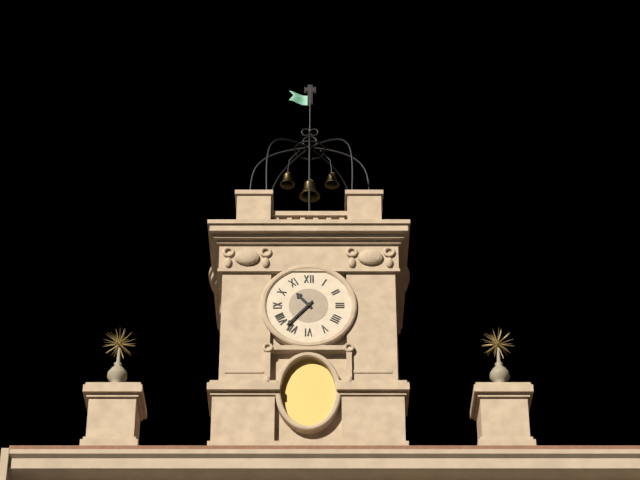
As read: 10.37
